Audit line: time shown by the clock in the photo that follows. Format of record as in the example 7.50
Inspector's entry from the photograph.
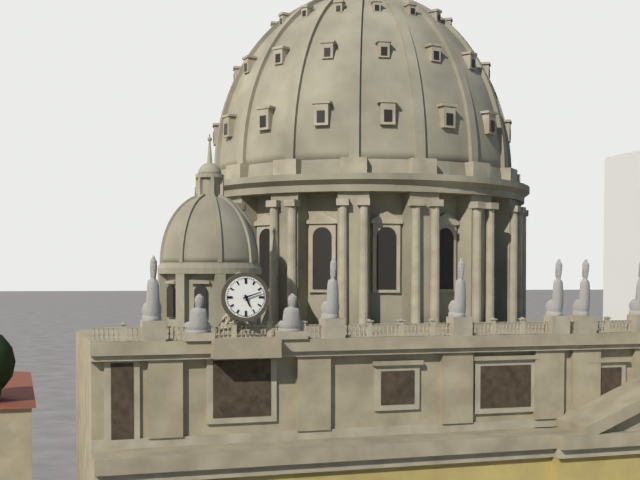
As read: 5.12
